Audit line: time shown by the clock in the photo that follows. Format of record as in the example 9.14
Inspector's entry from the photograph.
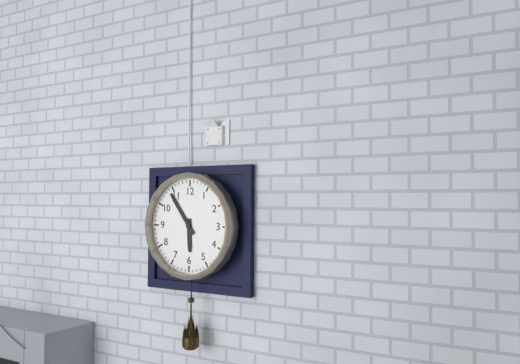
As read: 5.54
